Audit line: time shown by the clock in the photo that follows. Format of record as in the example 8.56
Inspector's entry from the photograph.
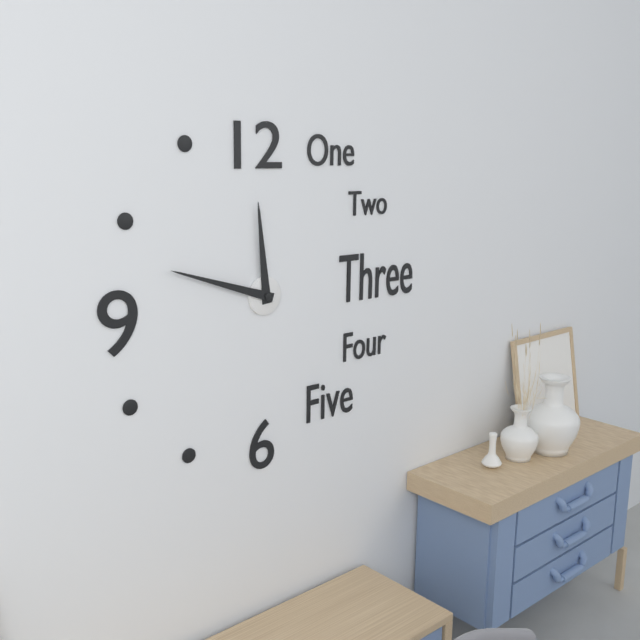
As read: 11.48
